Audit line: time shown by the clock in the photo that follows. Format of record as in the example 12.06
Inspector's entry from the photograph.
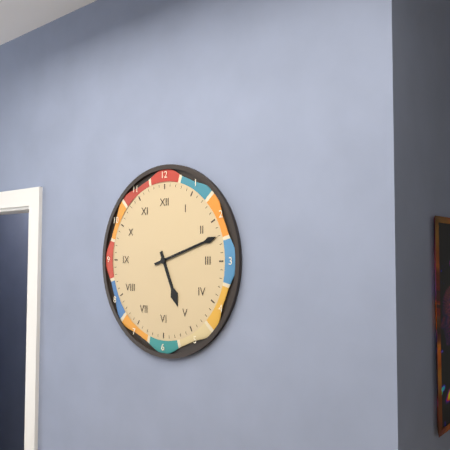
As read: 5.12
